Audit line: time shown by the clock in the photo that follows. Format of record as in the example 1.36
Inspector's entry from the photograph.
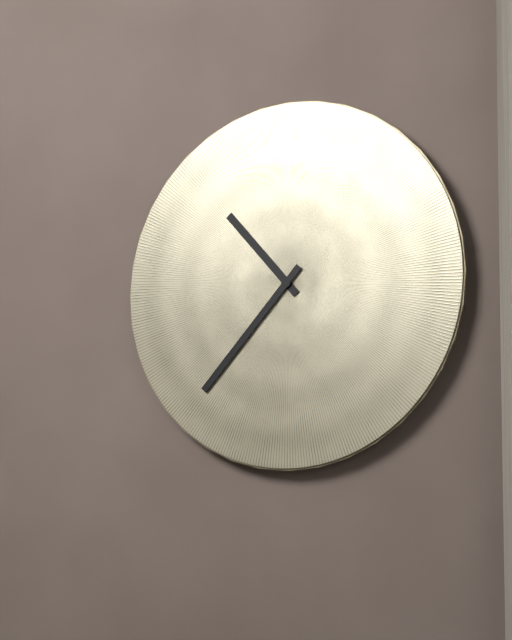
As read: 10.37
